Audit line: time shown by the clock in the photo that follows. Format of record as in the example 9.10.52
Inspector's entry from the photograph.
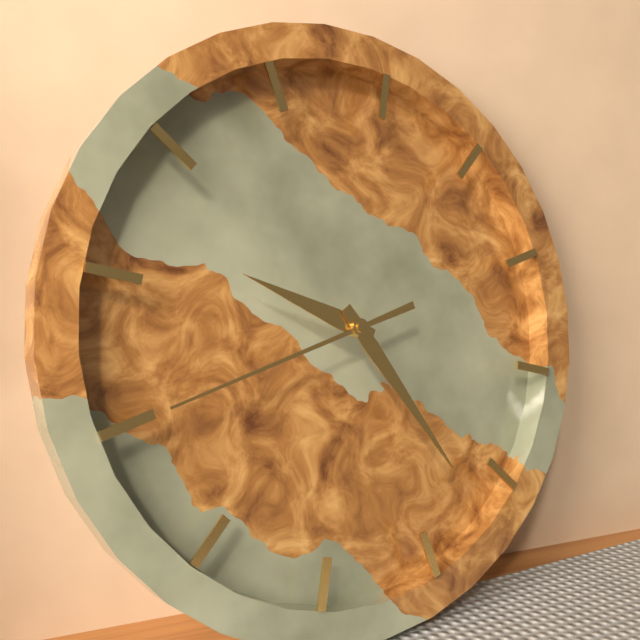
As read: 9.22.40
